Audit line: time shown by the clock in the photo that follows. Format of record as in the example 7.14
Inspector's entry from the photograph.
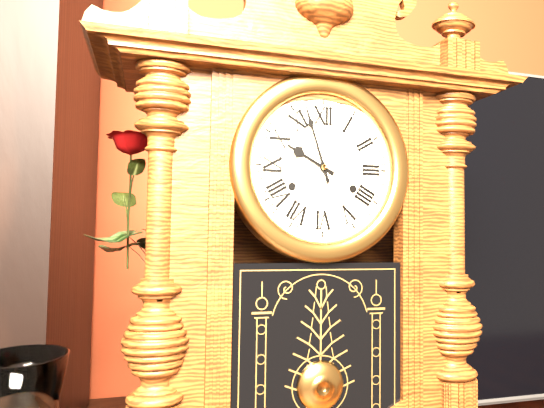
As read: 9.57
